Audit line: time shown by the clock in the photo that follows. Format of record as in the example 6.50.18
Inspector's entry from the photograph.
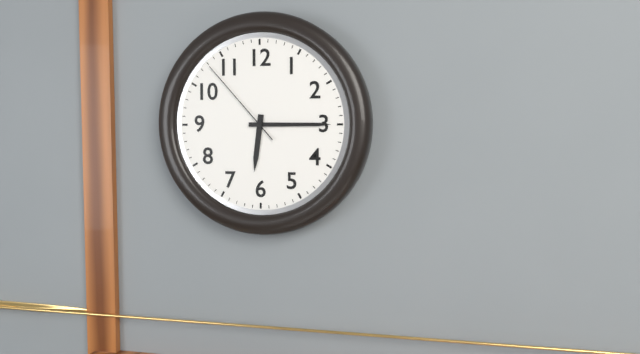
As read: 6.15.53
